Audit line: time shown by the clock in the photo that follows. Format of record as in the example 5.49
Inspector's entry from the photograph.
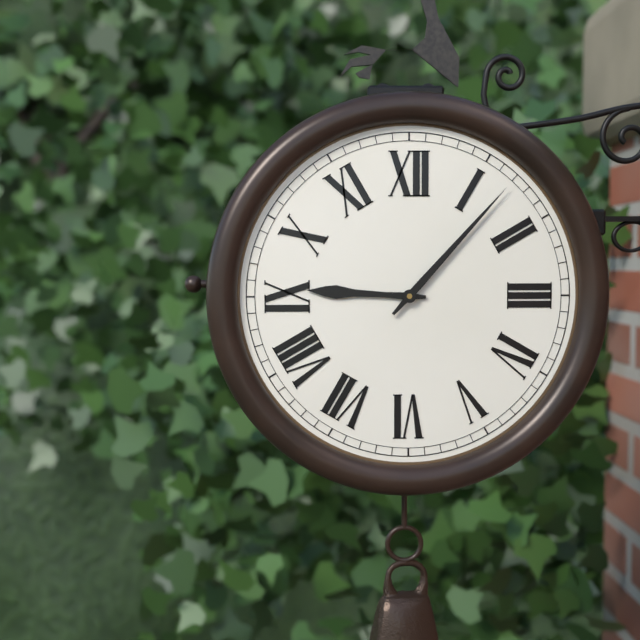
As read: 9.07
